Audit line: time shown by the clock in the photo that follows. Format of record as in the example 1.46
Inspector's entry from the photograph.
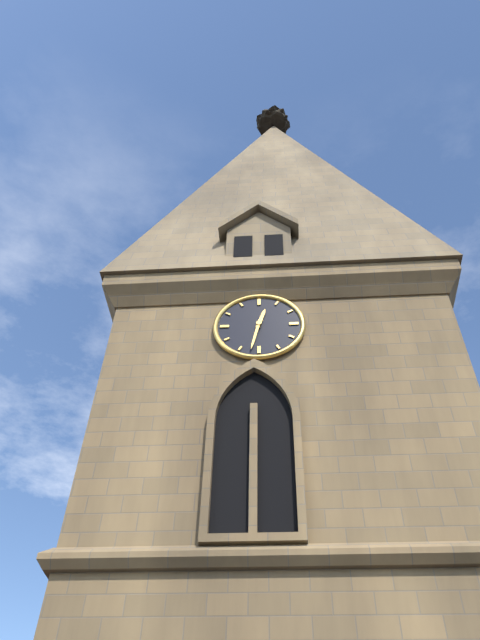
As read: 12.32
